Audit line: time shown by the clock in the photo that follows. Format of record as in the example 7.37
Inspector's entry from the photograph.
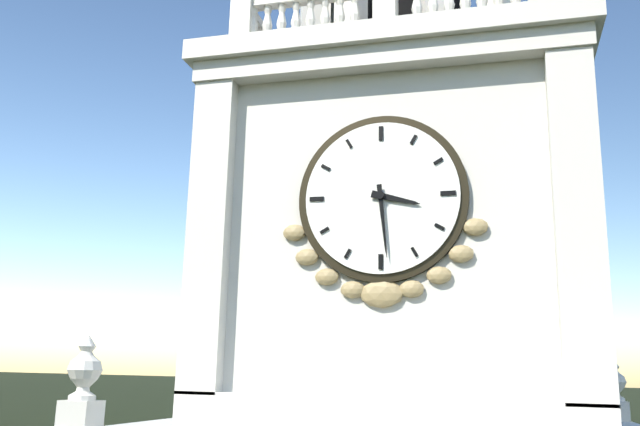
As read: 3.29
